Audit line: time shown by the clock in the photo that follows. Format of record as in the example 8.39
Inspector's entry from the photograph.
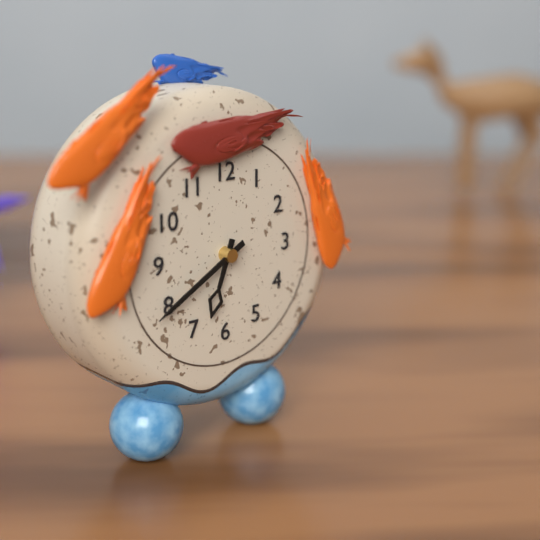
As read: 6.40
